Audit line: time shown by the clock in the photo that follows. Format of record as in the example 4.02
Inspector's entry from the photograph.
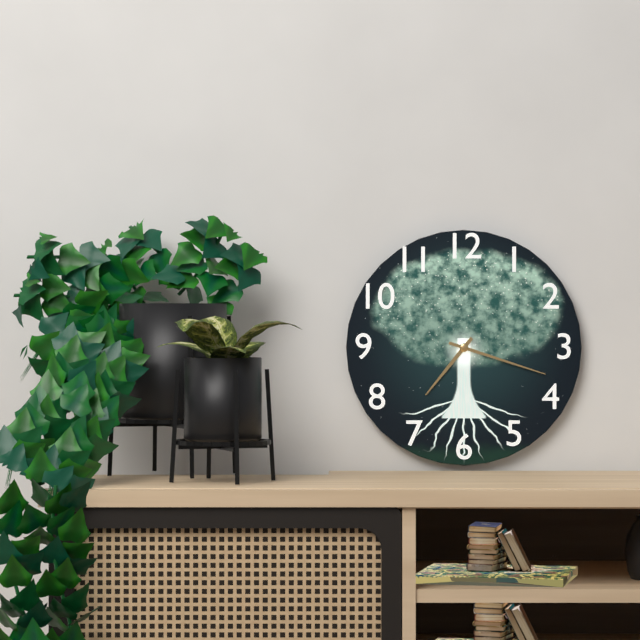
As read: 7.18
